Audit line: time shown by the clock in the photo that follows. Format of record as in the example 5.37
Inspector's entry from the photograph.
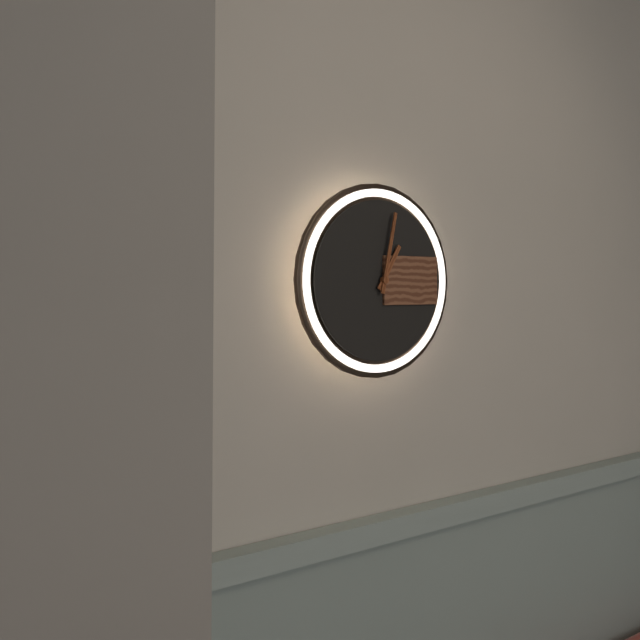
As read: 1.02
